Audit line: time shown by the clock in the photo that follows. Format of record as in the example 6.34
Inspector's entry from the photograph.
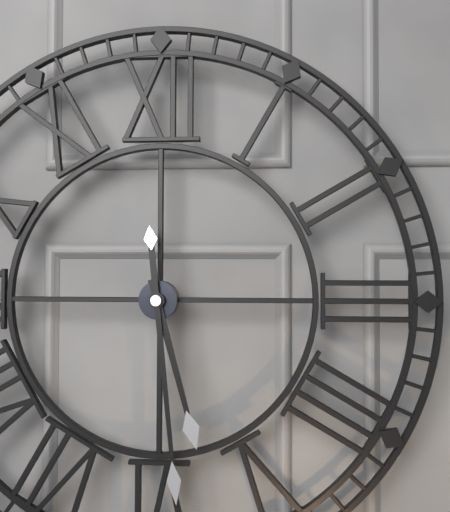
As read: 5.29
